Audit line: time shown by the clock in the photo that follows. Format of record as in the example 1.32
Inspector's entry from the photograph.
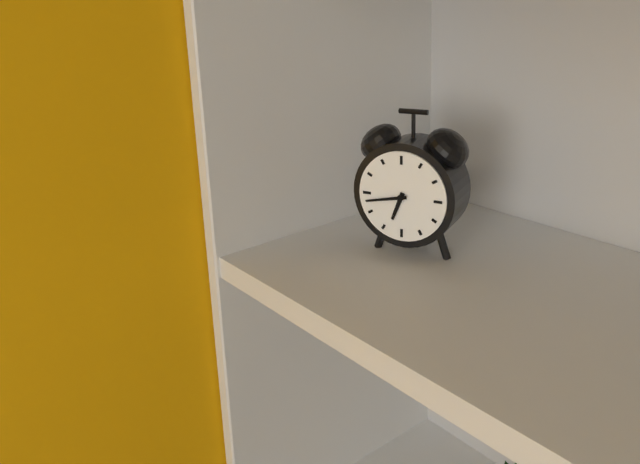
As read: 6.43
